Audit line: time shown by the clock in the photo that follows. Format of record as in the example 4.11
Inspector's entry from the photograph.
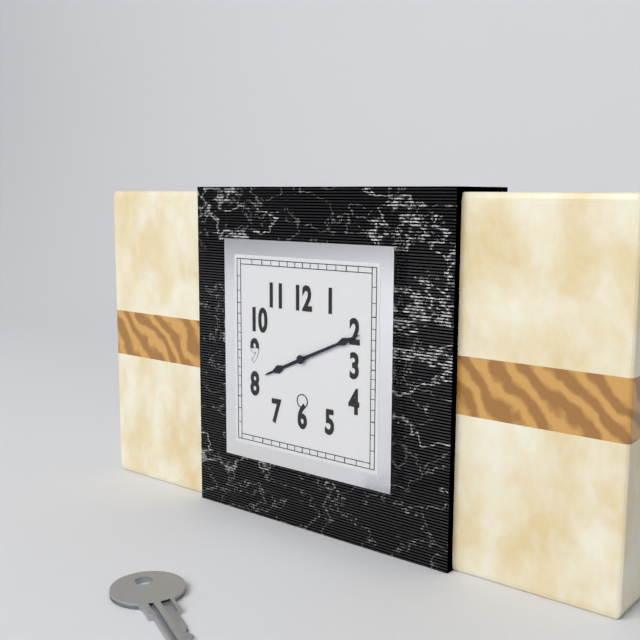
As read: 8.11
